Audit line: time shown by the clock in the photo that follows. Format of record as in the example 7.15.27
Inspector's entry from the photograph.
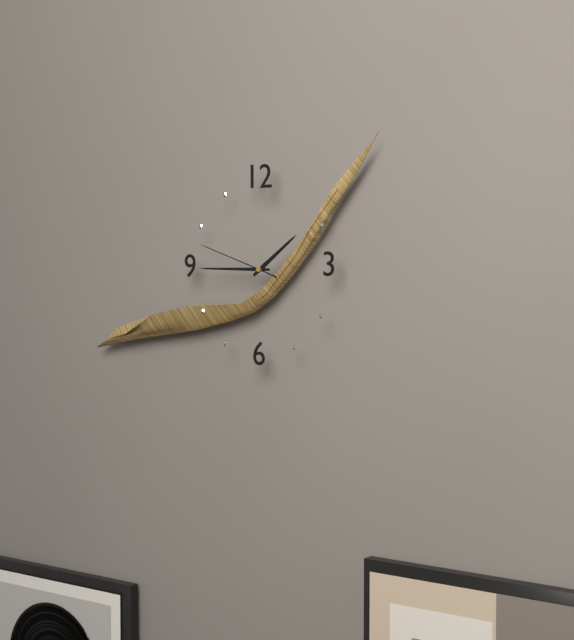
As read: 1.45.48
